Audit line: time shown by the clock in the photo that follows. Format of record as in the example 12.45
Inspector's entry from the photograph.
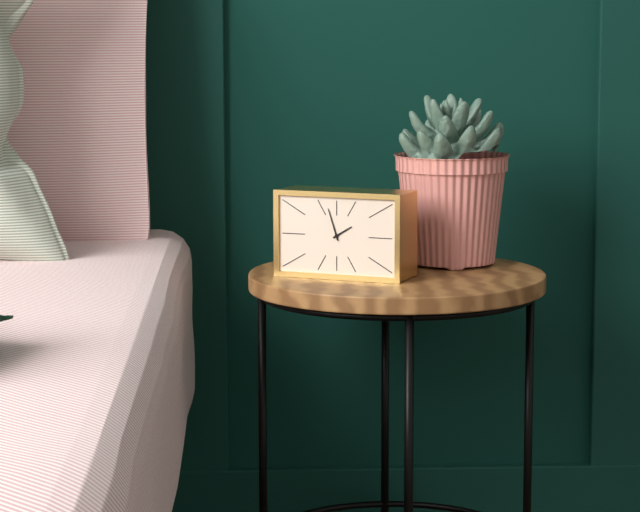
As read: 1.57
